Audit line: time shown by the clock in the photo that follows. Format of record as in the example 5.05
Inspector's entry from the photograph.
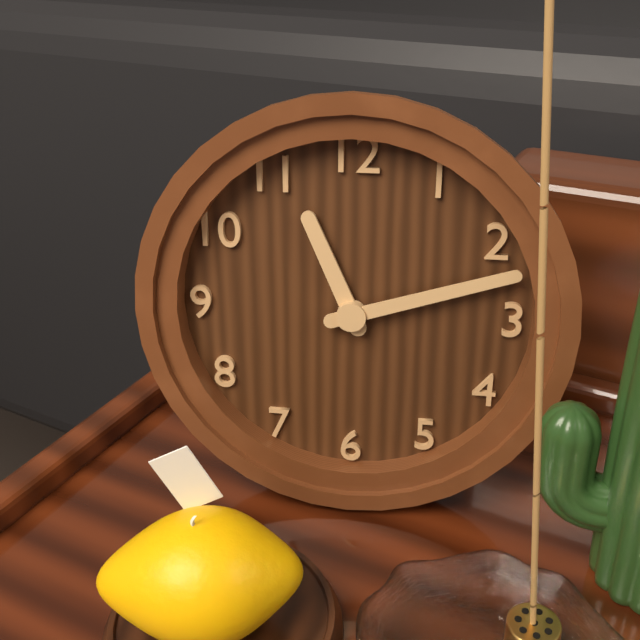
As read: 11.12
